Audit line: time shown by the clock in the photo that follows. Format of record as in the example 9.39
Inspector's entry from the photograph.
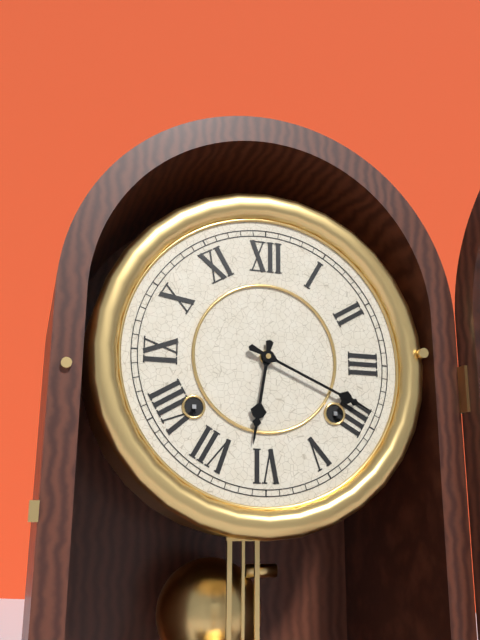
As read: 6.19
